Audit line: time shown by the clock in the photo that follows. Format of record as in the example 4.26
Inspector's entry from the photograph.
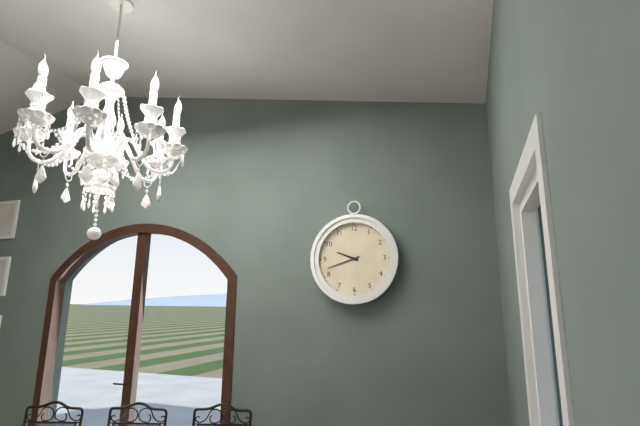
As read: 9.42
